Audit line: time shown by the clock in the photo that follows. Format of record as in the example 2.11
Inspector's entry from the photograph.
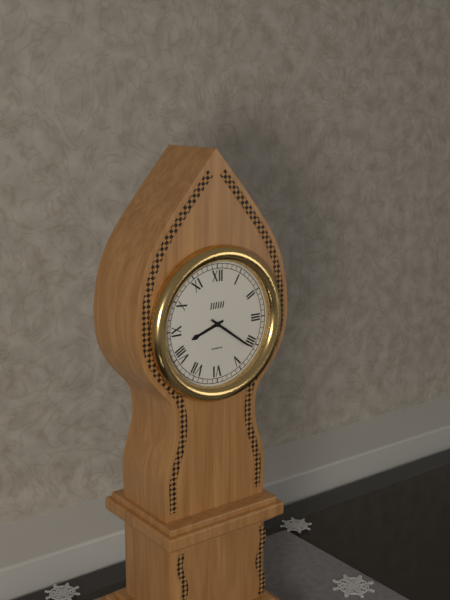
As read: 8.21
